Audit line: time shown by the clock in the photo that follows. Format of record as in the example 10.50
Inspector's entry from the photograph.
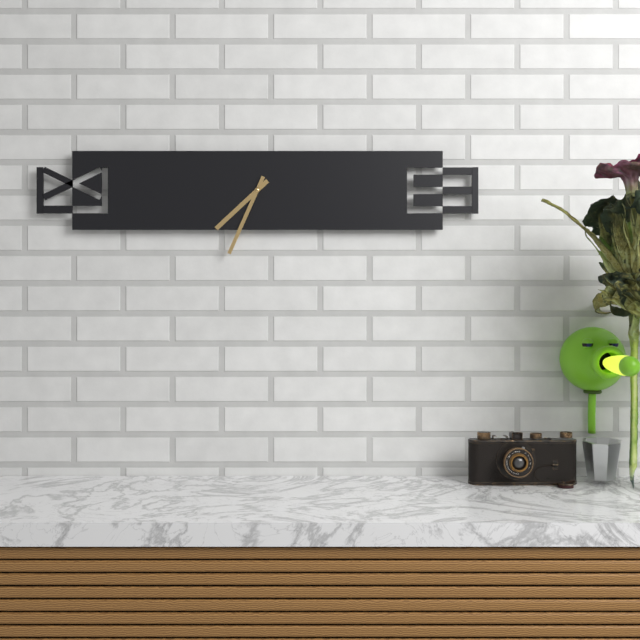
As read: 7.34
